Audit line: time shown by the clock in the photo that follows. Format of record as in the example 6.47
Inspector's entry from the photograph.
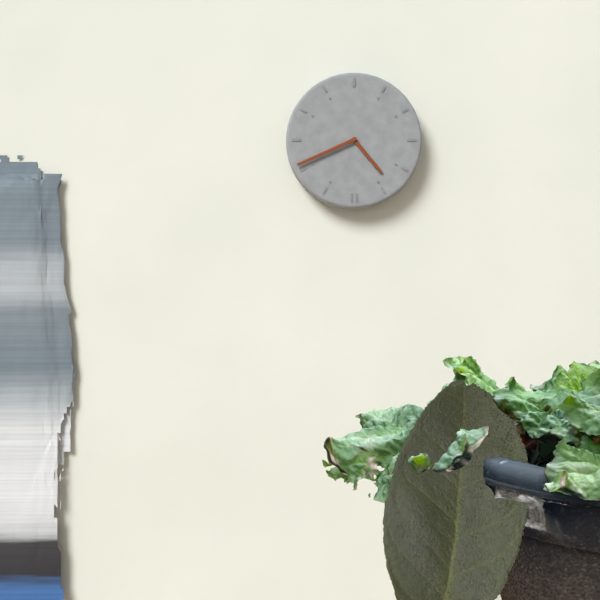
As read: 4.41
